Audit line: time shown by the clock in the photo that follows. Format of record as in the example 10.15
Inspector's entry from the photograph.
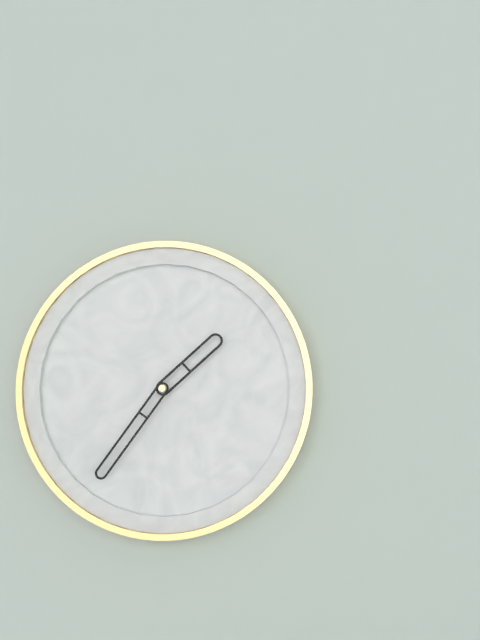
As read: 1.36
